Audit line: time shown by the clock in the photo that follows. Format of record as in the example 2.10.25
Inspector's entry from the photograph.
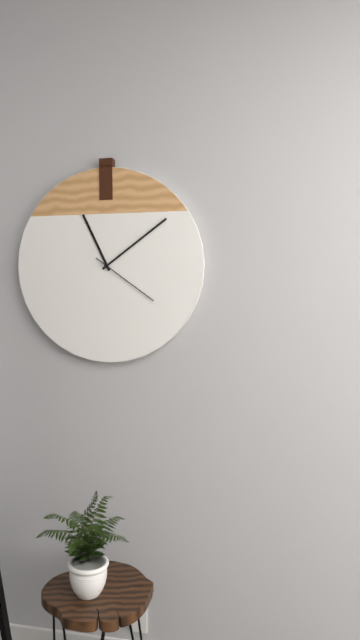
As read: 11.09.21
